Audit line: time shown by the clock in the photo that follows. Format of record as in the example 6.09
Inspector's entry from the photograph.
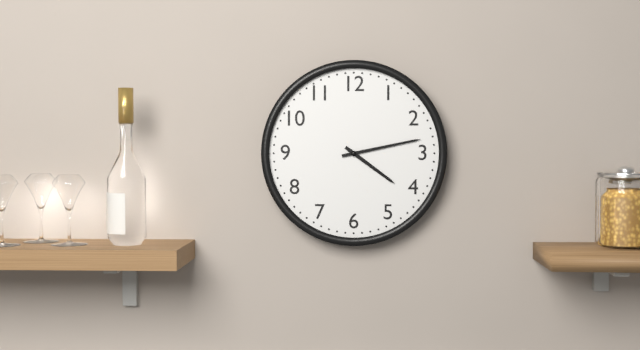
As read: 4.13
